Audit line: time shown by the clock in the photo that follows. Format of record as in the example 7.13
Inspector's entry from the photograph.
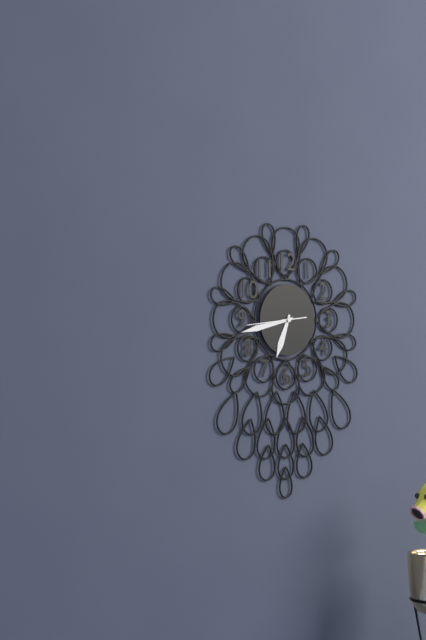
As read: 6.43
